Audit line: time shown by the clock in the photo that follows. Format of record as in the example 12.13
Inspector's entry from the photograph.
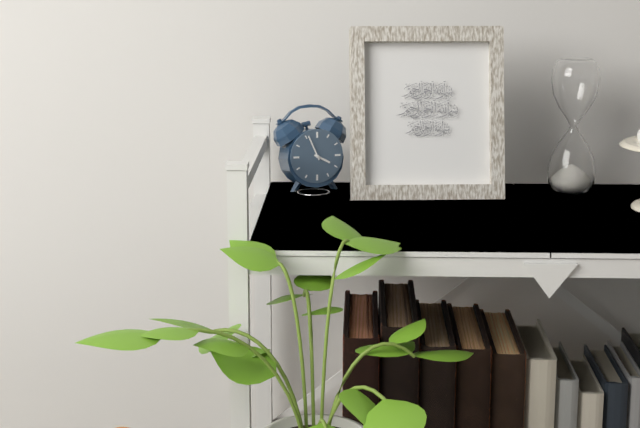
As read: 3.56
